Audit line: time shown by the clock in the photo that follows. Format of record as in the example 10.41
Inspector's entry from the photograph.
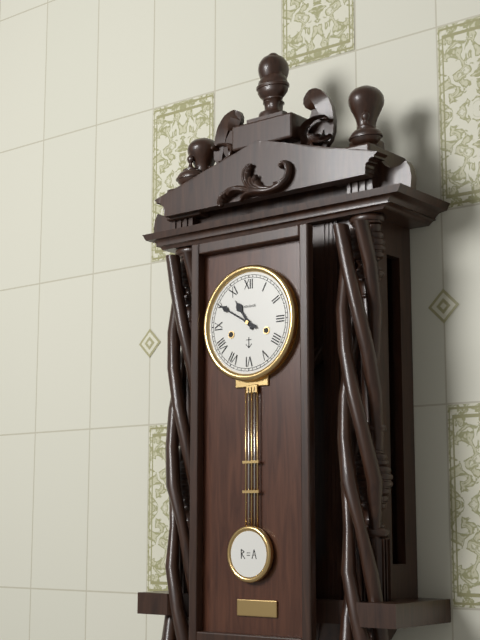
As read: 10.50
